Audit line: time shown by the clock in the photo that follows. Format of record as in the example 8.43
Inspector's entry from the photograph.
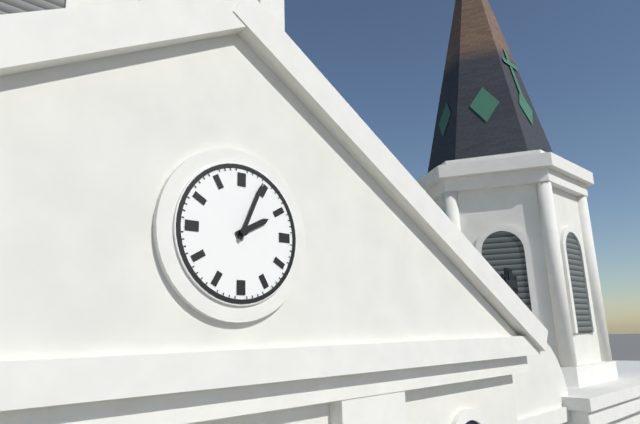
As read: 2.04
